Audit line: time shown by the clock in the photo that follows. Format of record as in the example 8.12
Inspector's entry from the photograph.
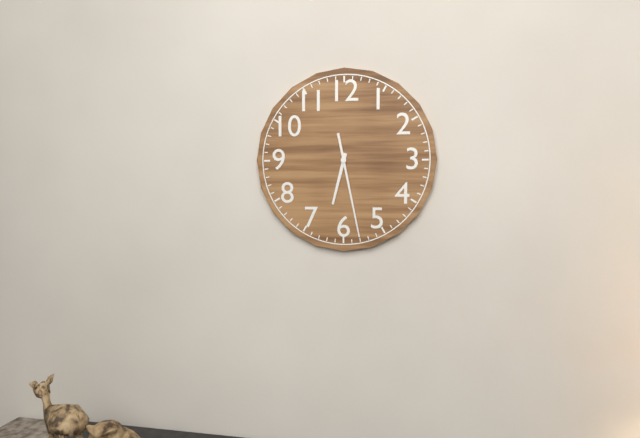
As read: 6.28
